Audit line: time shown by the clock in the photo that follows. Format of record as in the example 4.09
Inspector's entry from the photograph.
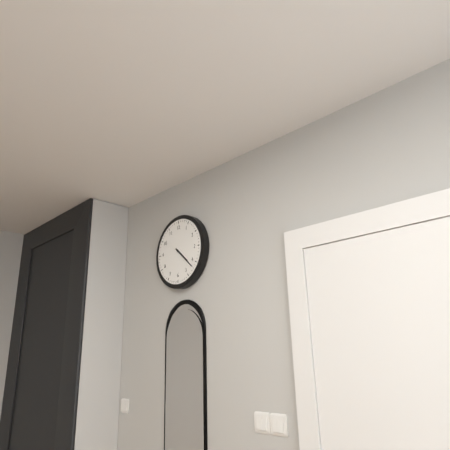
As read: 4.22
